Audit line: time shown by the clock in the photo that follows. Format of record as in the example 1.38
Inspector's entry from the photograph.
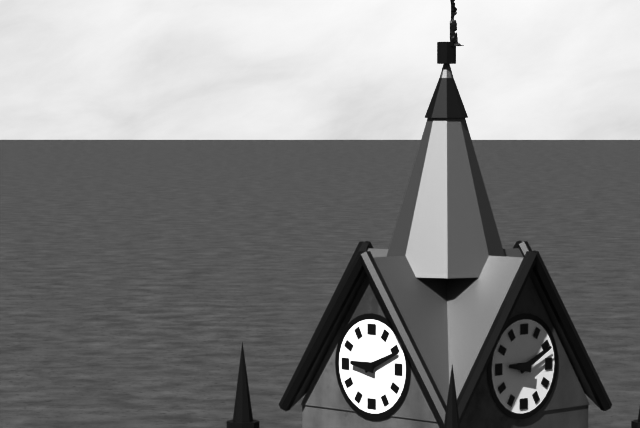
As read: 9.11
